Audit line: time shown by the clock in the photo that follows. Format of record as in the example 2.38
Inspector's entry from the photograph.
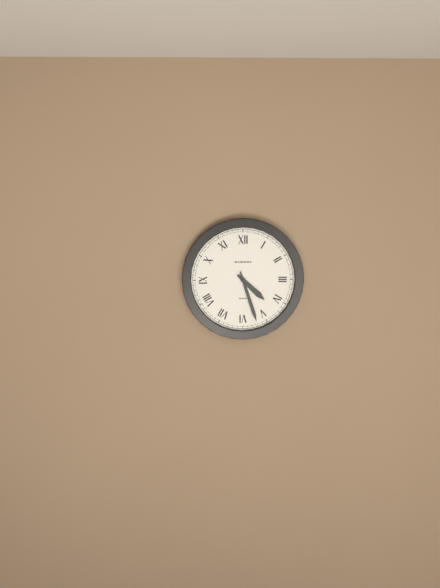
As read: 4.27
